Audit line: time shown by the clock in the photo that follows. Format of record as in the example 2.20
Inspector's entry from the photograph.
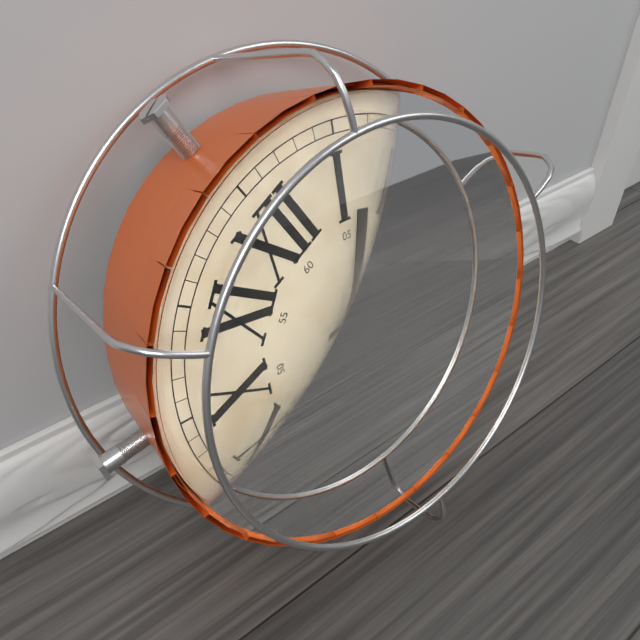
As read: 1.21
